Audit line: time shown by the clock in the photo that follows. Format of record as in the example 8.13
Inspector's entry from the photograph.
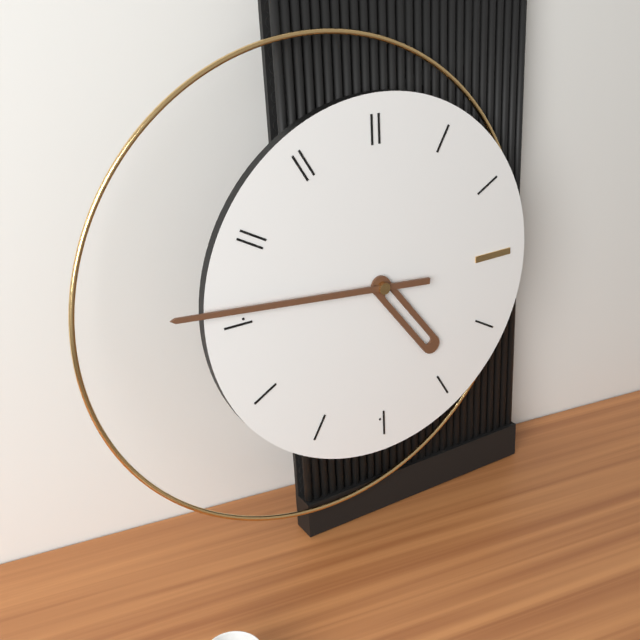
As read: 4.46
